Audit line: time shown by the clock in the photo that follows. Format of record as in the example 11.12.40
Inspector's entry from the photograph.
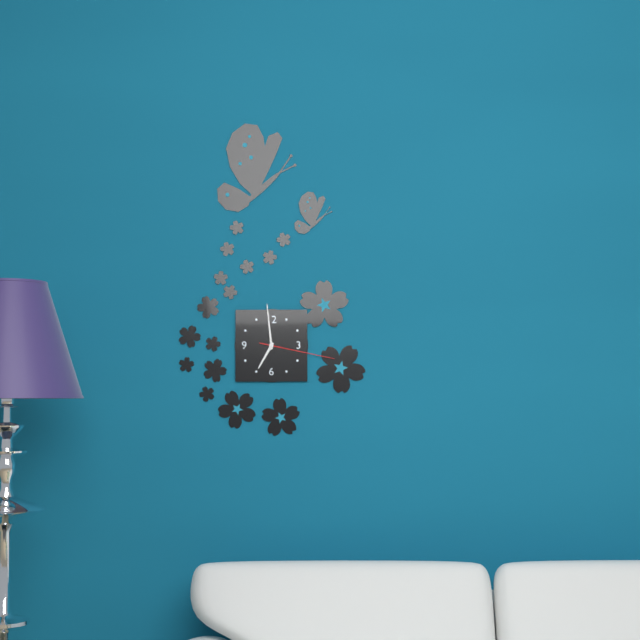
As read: 6.59.17
